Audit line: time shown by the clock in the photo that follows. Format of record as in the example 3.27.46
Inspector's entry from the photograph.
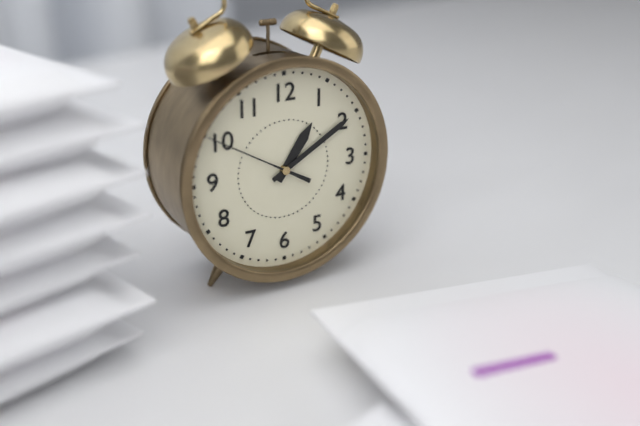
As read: 1.10.50
